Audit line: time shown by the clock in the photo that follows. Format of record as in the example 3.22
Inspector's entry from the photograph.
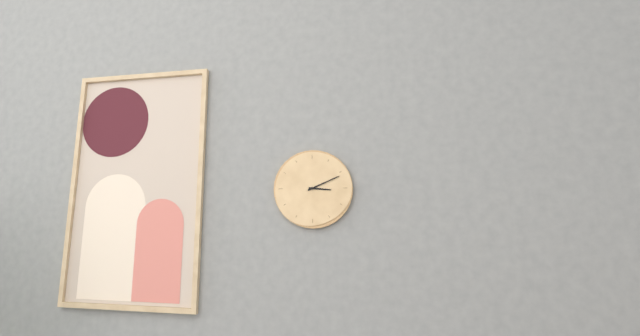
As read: 3.11
